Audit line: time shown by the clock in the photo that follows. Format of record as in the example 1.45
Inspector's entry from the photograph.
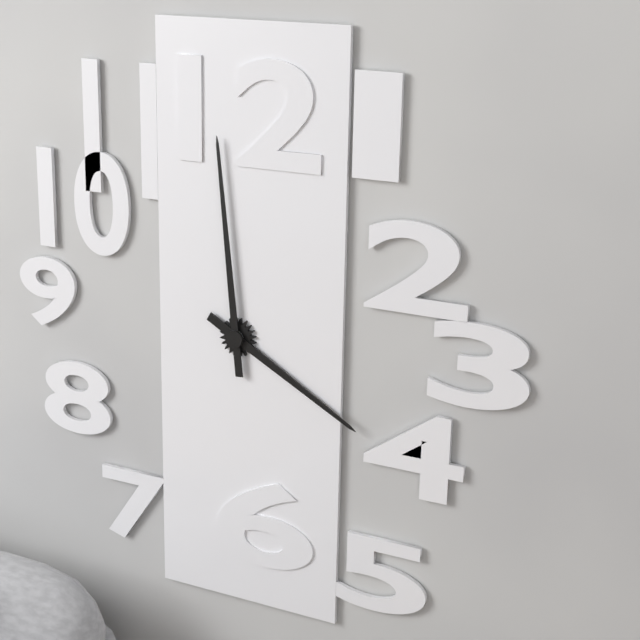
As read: 3.59
